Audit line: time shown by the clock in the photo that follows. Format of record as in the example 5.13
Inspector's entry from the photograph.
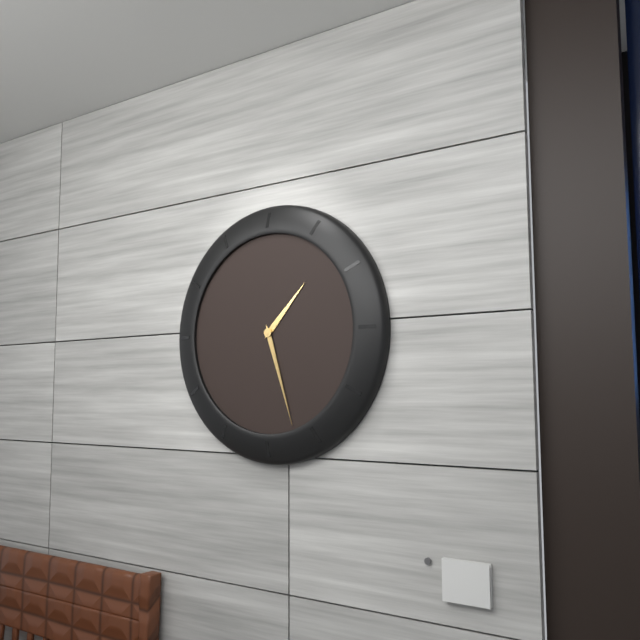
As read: 1.27
